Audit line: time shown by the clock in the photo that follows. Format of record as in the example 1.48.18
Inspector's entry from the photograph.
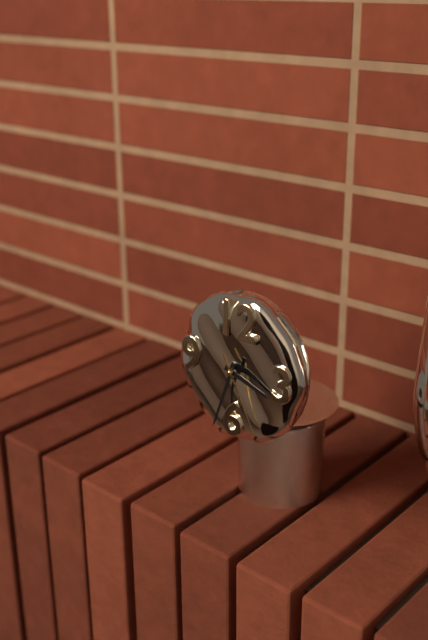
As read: 3.33.25
